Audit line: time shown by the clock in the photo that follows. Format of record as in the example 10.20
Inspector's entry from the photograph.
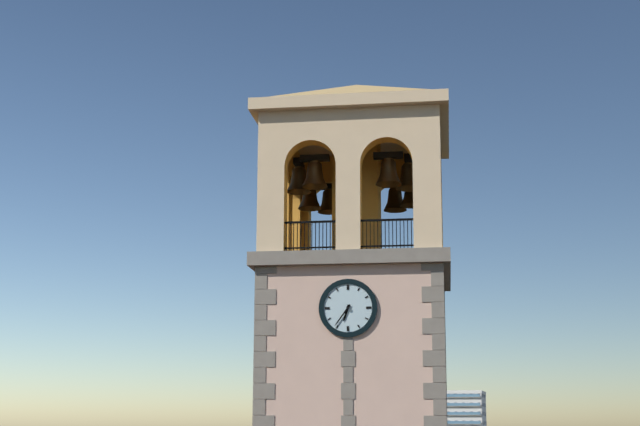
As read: 6.36
